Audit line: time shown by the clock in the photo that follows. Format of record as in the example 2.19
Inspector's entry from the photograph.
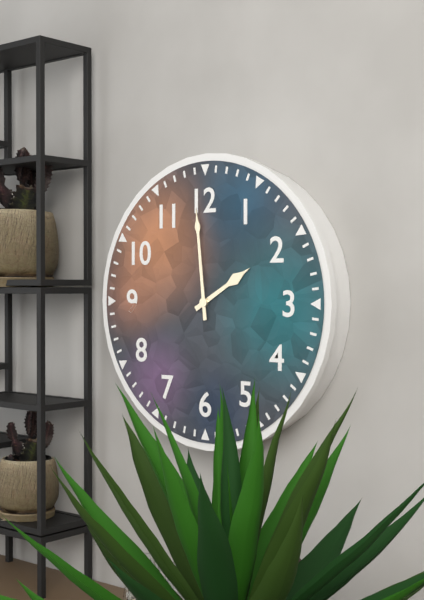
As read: 1.59
